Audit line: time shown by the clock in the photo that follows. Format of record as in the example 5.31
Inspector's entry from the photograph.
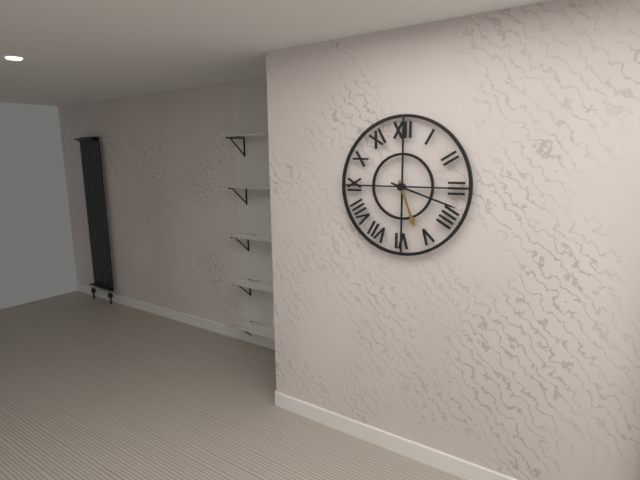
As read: 5.18
